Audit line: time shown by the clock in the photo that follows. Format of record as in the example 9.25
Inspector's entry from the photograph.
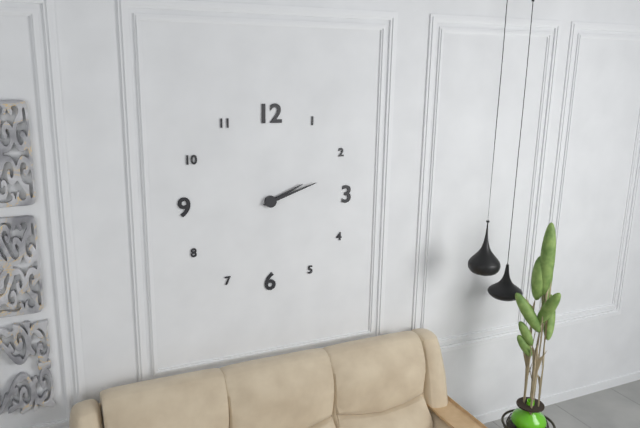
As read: 2.12
